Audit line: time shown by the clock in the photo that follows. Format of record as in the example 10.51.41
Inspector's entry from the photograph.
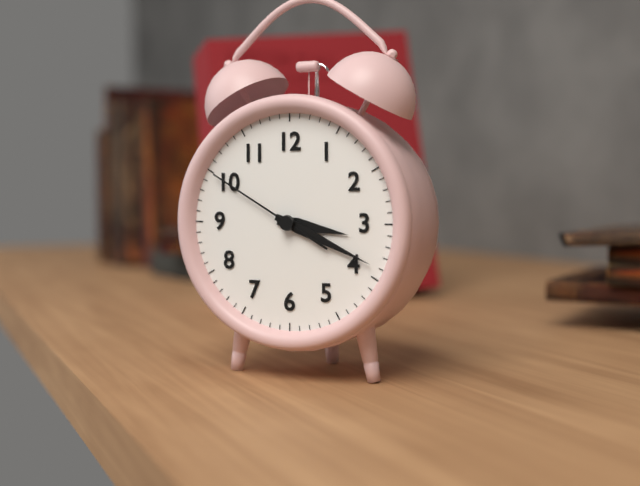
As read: 3.19.50
